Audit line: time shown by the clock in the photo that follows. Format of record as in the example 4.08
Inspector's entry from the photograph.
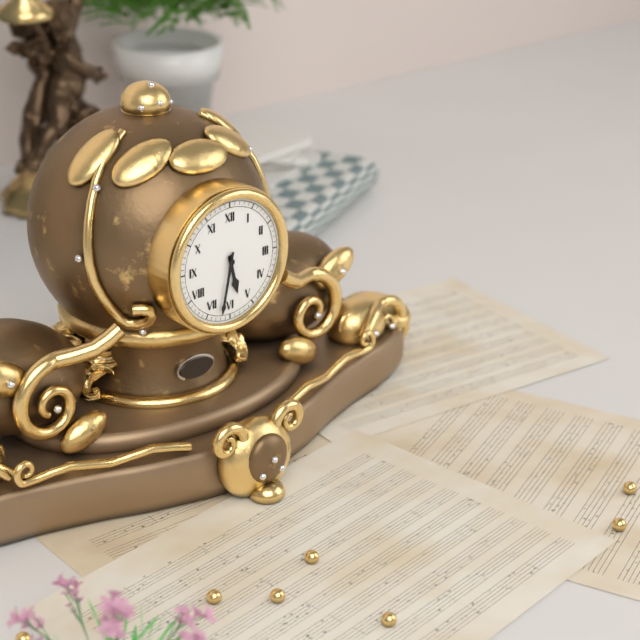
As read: 5.32
